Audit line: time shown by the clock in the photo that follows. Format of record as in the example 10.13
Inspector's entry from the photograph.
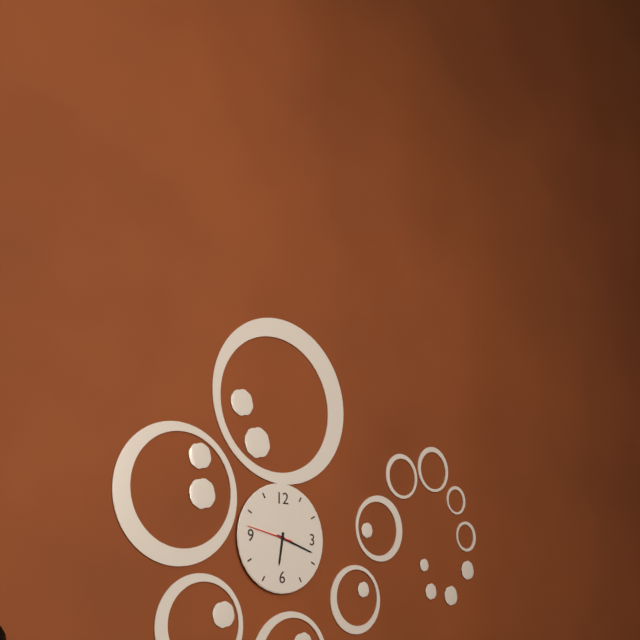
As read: 6.18
